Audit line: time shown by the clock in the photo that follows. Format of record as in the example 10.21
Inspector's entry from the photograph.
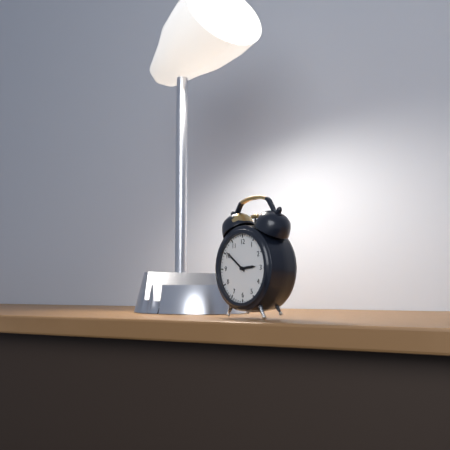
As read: 2.51
